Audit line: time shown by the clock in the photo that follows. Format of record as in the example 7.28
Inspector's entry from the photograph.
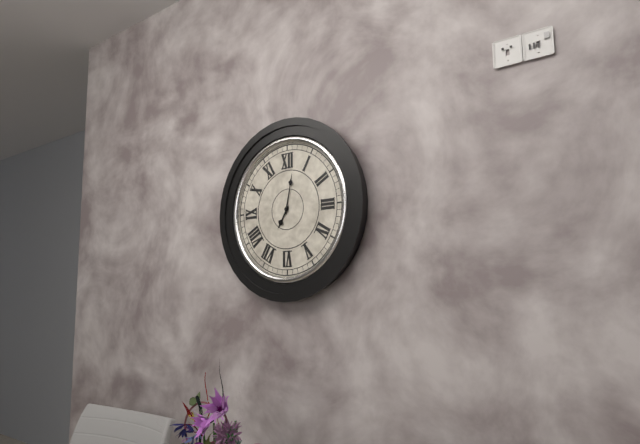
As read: 7.02
